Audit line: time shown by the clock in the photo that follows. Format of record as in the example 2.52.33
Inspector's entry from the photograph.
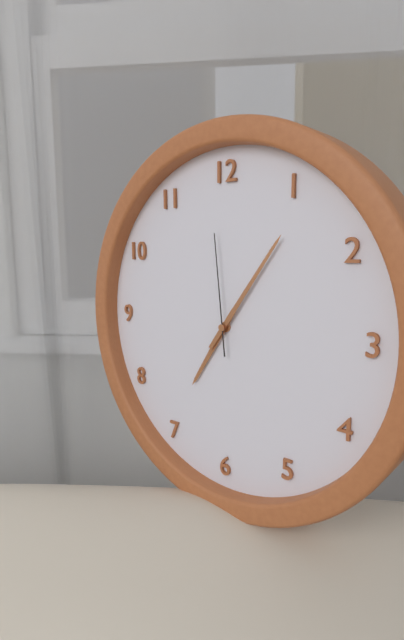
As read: 7.06.59
